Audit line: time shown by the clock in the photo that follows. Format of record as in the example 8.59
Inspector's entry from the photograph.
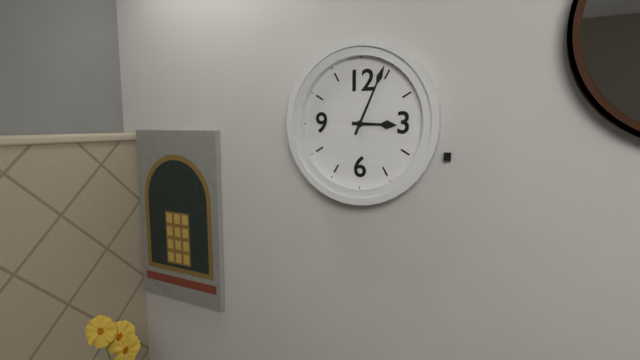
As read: 3.04
